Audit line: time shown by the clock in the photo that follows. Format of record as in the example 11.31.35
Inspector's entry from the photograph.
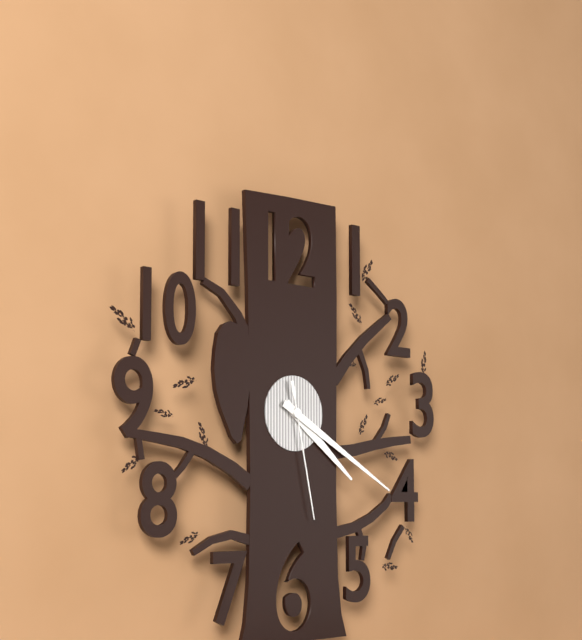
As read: 4.20.28
